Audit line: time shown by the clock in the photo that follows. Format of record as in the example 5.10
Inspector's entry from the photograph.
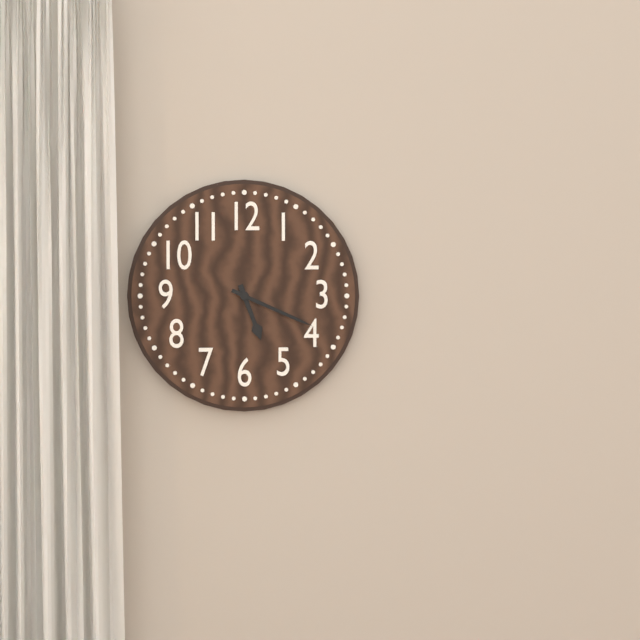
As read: 5.19
